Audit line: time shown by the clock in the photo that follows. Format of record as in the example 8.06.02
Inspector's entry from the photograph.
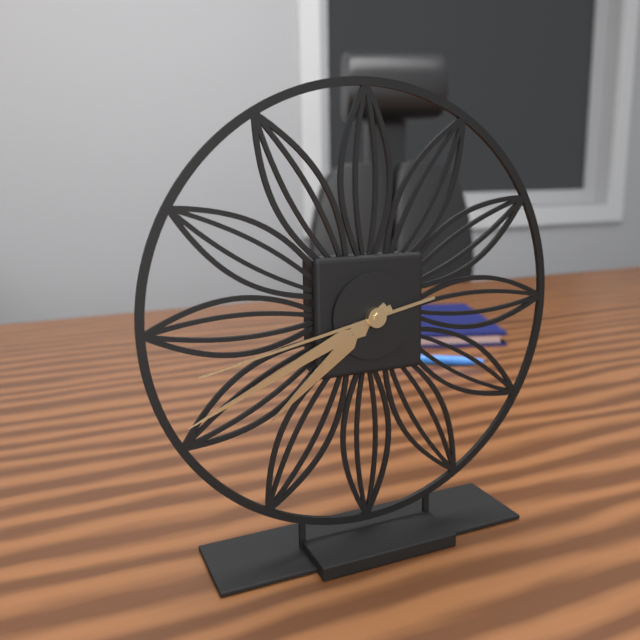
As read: 7.41.43
